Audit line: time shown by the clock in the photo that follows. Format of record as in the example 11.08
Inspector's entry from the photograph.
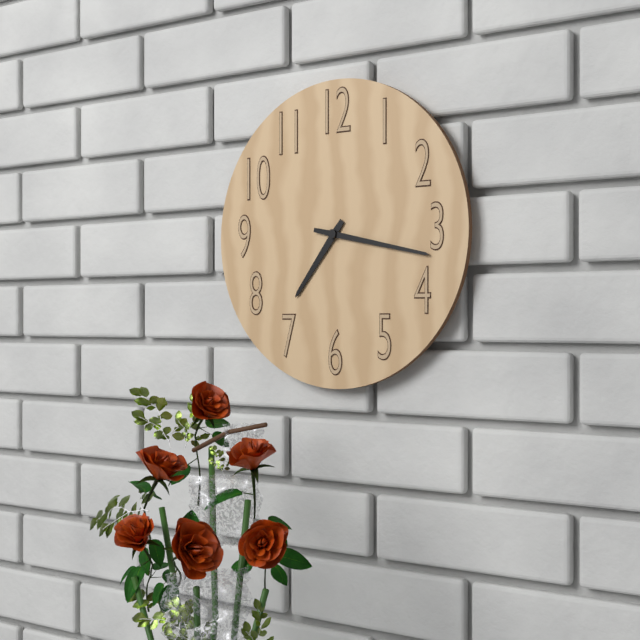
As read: 7.17
